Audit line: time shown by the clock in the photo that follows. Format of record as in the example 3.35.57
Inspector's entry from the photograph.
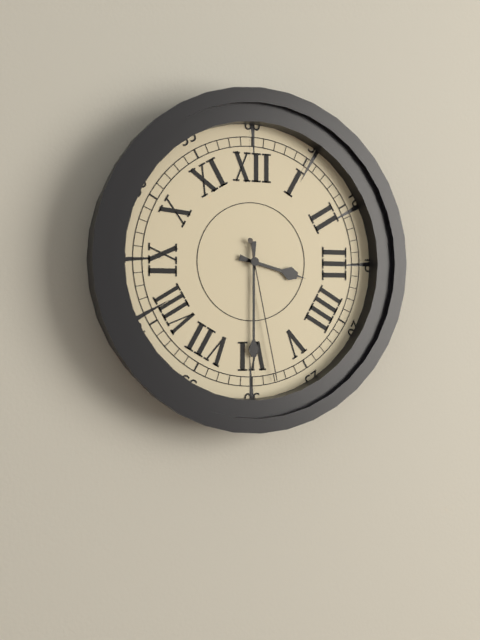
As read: 3.30.28
